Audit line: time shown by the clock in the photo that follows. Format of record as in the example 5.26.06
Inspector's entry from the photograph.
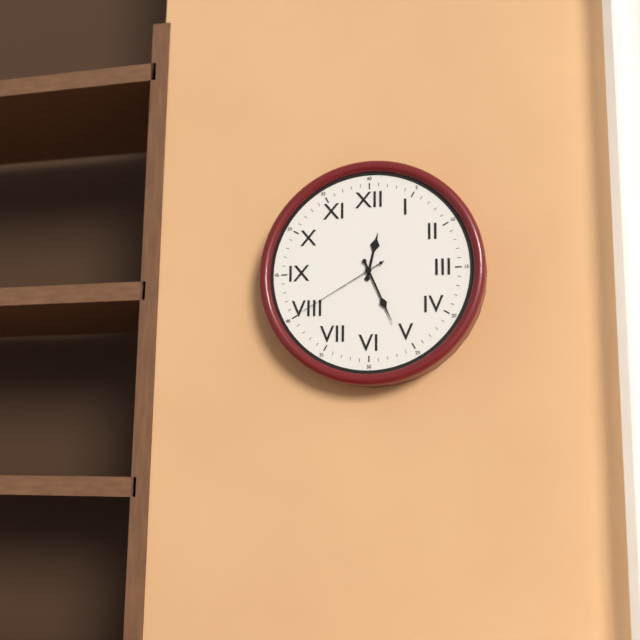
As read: 12.26.40
